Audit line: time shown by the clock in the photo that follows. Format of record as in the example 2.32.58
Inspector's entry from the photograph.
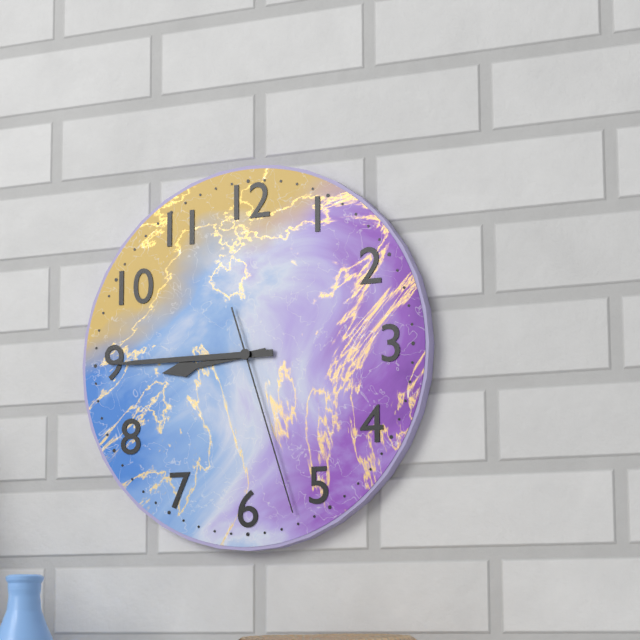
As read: 8.45.27
